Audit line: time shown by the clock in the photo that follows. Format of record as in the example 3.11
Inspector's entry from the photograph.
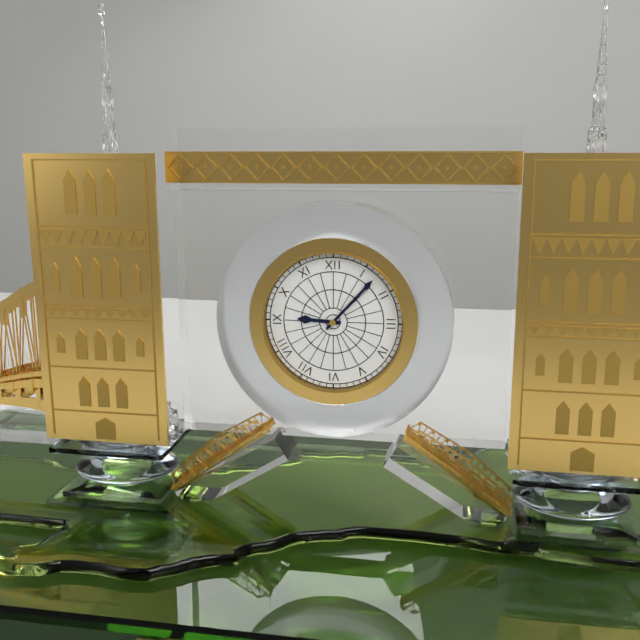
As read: 9.07
